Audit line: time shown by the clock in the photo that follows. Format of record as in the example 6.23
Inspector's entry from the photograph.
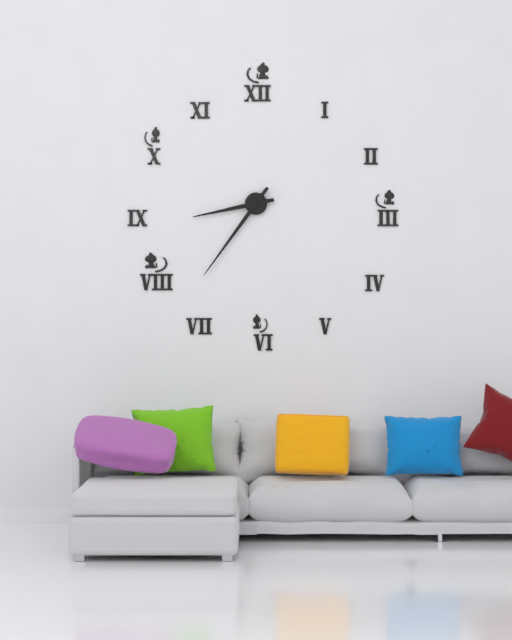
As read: 8.36
